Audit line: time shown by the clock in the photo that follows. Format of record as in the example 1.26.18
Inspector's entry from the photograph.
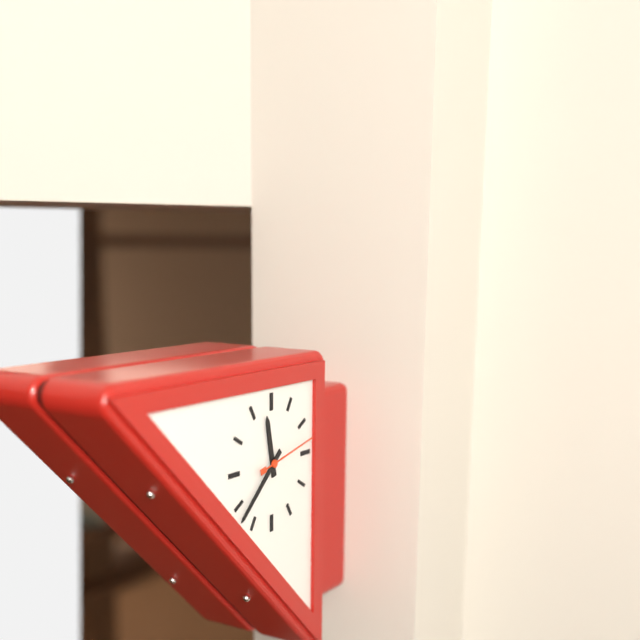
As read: 11.38.13
